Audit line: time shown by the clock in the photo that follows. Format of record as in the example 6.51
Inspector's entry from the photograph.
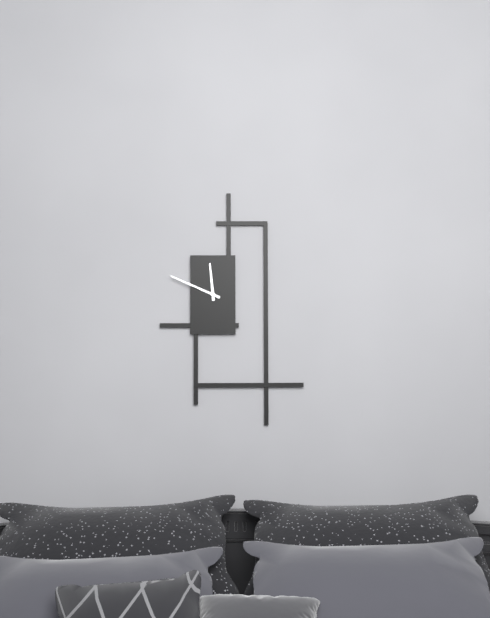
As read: 11.49
